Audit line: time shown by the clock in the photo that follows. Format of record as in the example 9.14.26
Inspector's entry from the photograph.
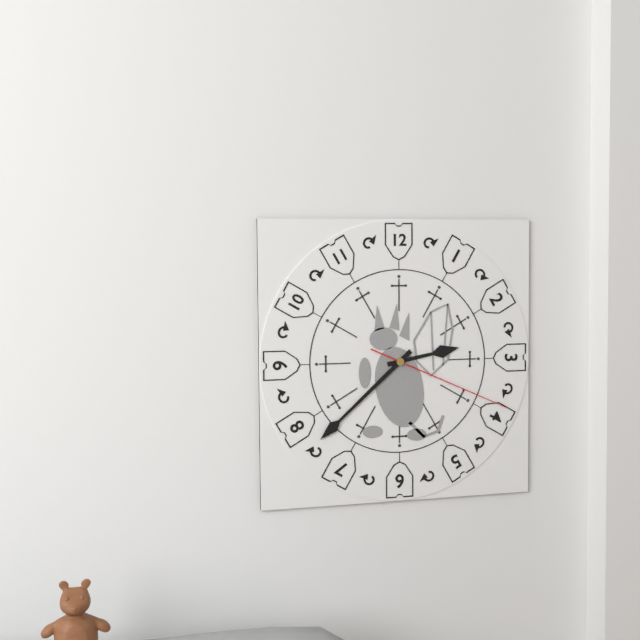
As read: 2.38.19
